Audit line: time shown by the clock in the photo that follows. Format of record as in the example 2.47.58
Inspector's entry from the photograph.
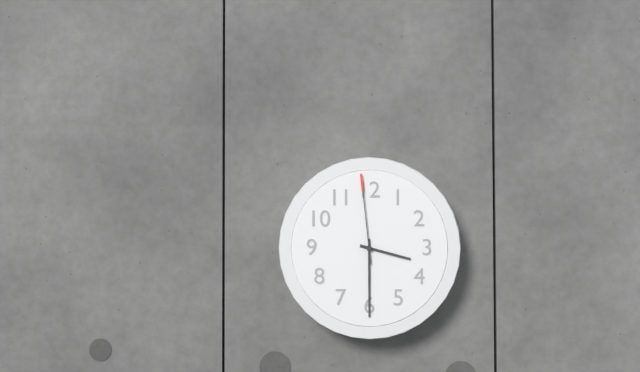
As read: 3.30.59
